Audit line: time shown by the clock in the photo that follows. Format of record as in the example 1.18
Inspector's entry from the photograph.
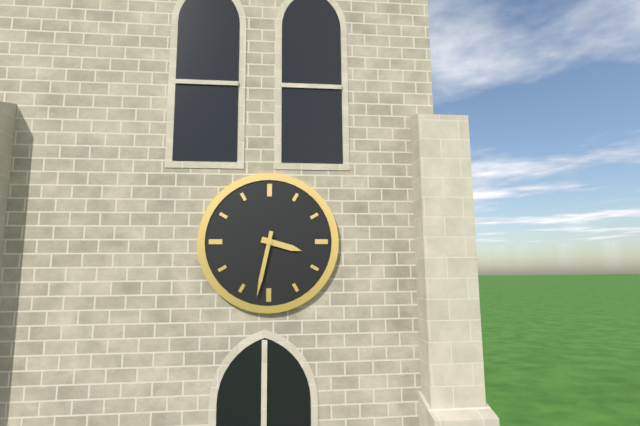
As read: 3.32
